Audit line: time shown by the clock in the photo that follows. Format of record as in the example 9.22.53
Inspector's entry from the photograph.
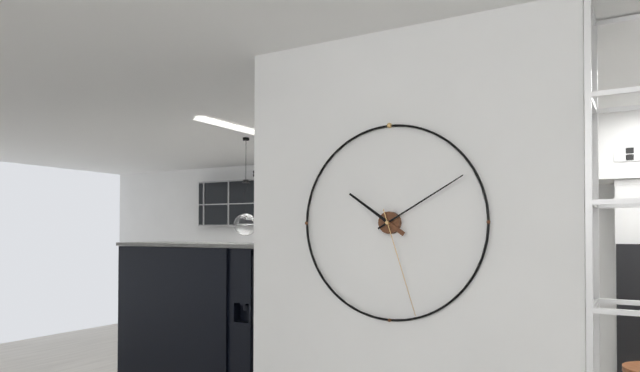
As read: 10.10.27
